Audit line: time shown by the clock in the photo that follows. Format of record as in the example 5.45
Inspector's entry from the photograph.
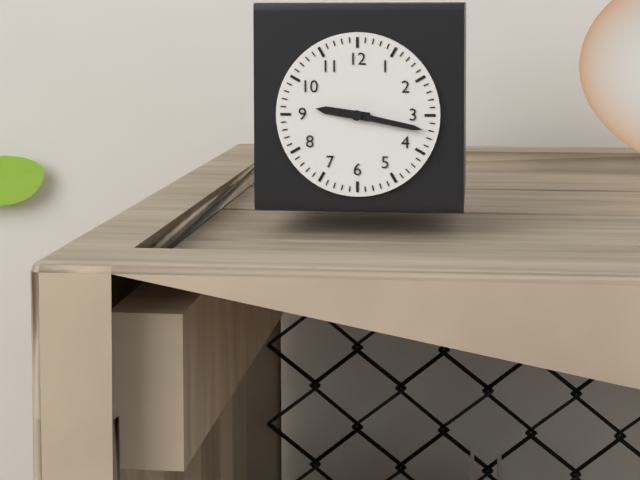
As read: 9.17
